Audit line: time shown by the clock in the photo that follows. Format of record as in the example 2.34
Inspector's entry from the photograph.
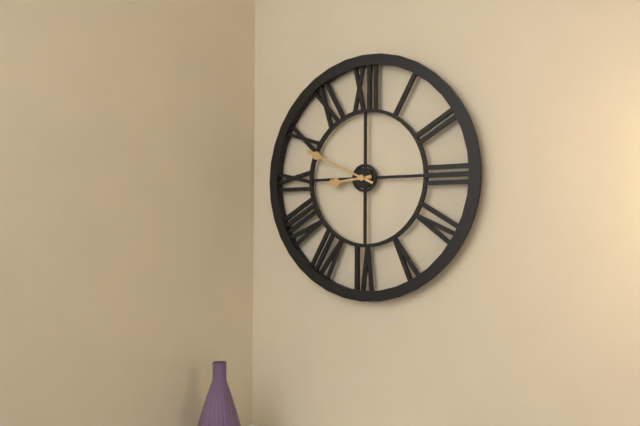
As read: 8.49
